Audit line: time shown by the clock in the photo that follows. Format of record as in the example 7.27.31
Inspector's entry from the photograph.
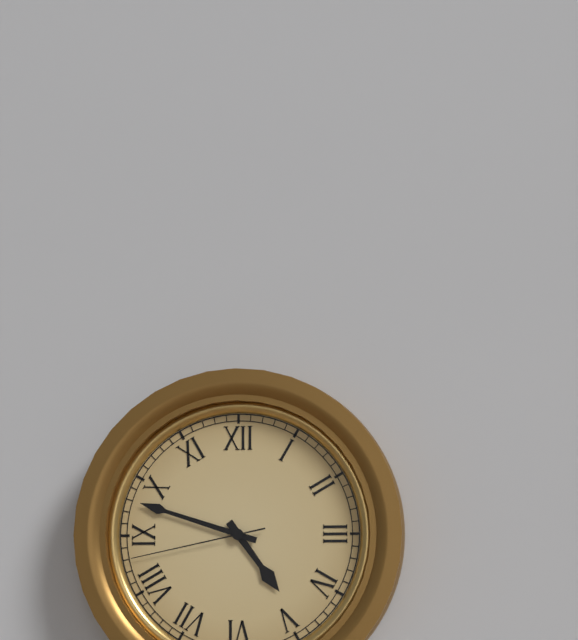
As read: 4.48.43
